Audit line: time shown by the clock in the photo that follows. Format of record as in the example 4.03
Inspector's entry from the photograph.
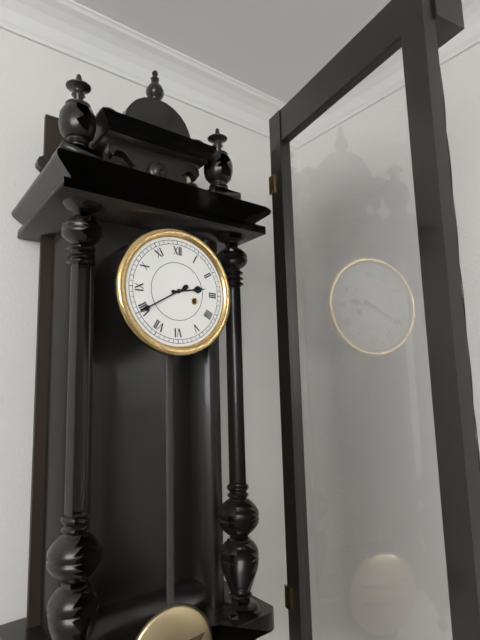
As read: 2.40
